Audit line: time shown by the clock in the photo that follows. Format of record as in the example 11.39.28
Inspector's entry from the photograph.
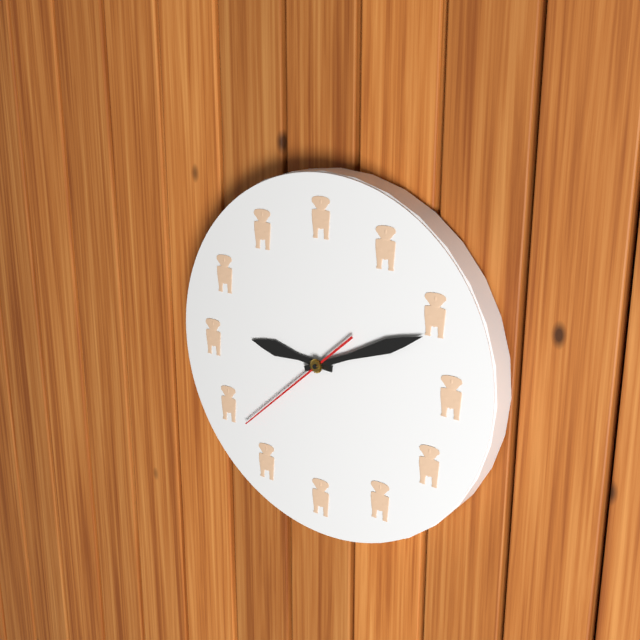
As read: 9.11.38
